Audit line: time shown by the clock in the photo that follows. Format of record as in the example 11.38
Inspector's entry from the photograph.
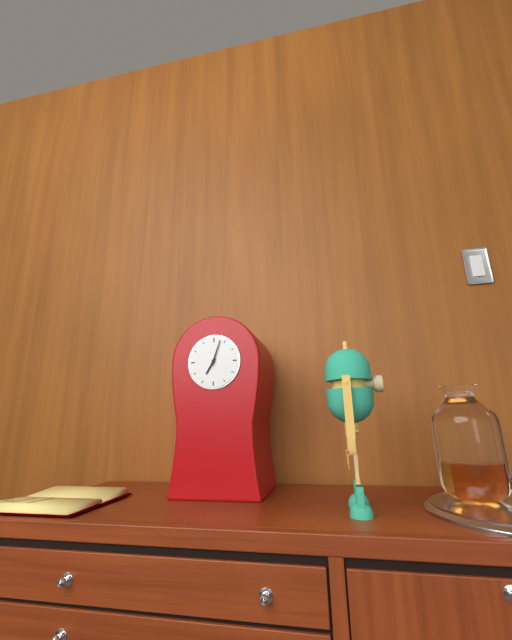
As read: 7.03
